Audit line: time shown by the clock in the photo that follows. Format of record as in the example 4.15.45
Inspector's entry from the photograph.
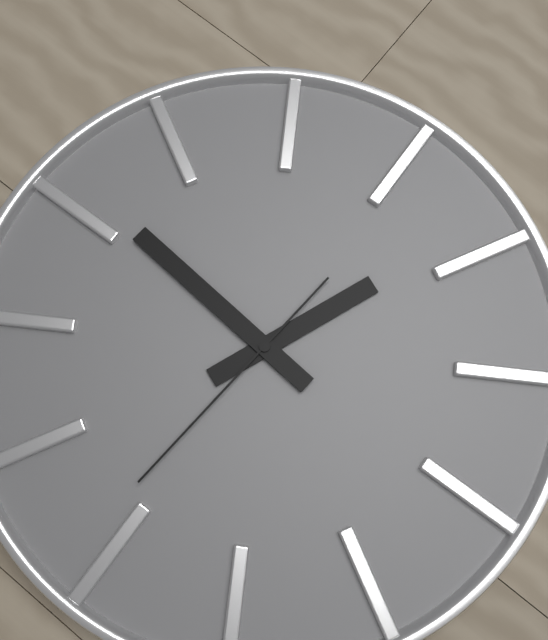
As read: 12.46.31
